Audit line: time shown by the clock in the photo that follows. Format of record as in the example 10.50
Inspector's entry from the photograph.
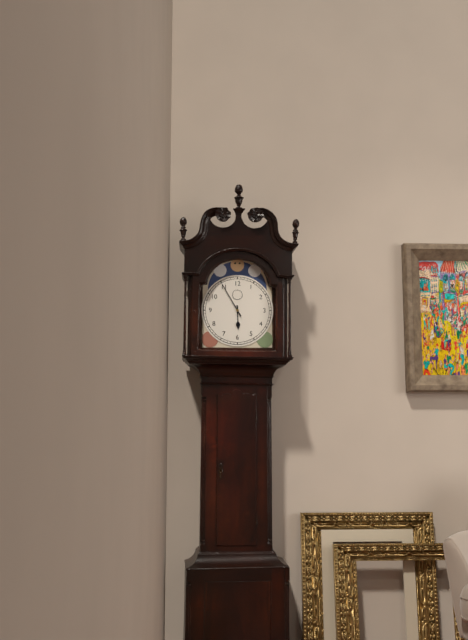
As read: 5.55
